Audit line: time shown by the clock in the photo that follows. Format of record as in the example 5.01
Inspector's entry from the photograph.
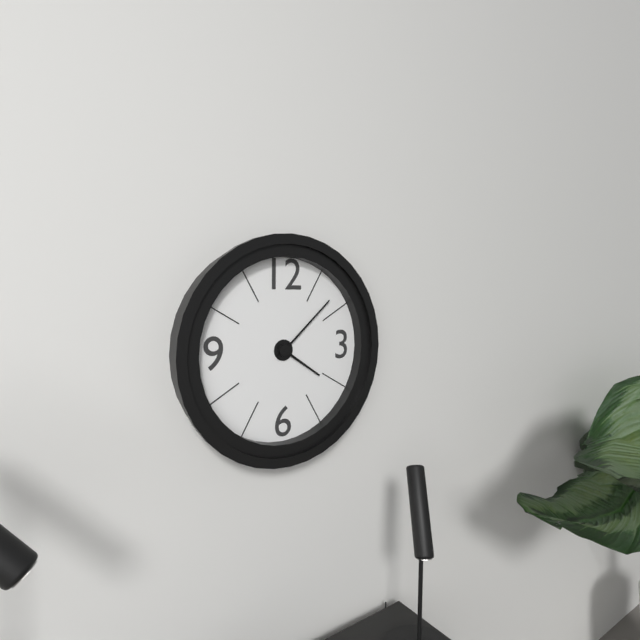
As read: 4.08
